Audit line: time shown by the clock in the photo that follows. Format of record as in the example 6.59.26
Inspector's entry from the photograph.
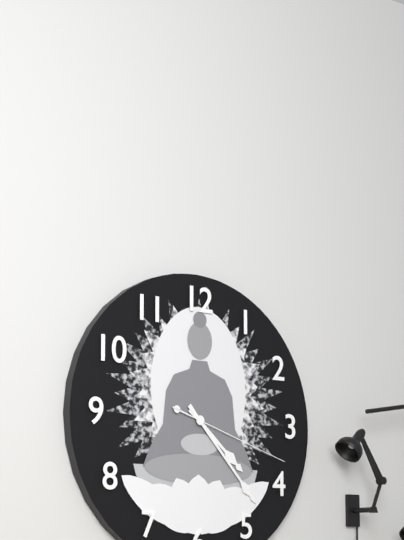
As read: 4.23.18
